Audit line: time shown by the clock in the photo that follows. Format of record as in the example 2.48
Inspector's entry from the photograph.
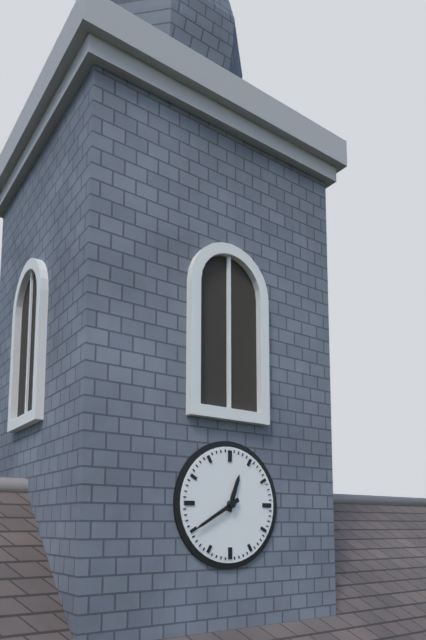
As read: 12.40
